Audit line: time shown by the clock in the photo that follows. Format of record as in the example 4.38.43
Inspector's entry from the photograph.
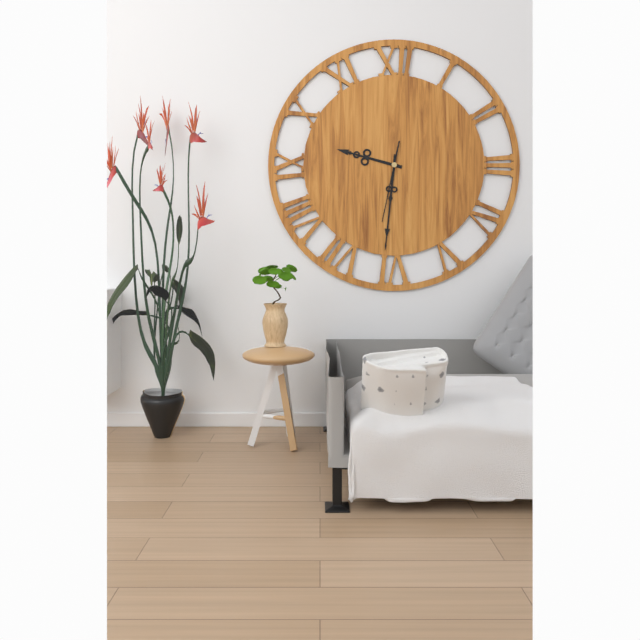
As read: 9.31.32
